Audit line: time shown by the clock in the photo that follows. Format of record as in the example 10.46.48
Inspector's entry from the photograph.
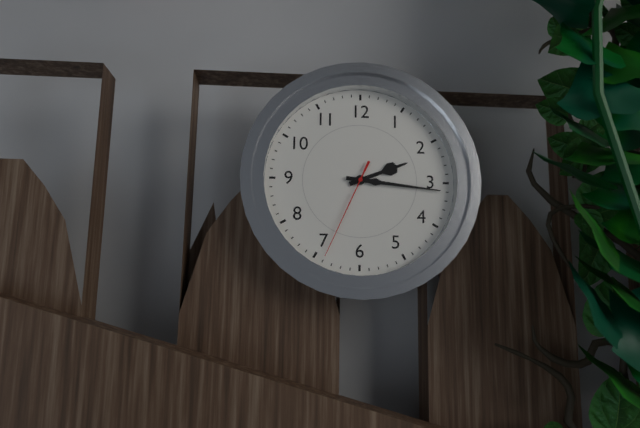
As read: 2.16.34
